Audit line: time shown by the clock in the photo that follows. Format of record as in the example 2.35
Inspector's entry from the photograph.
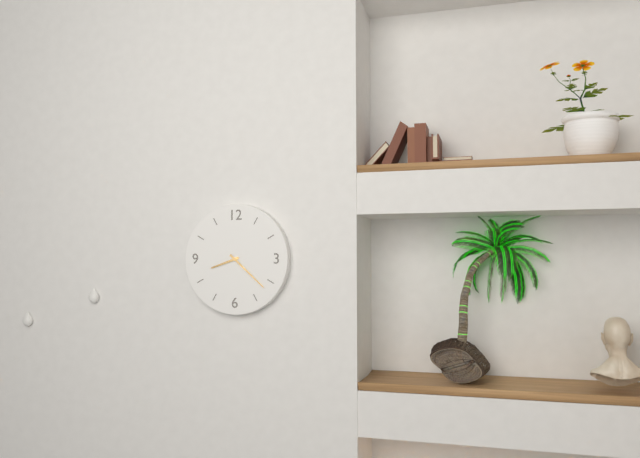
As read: 8.22
